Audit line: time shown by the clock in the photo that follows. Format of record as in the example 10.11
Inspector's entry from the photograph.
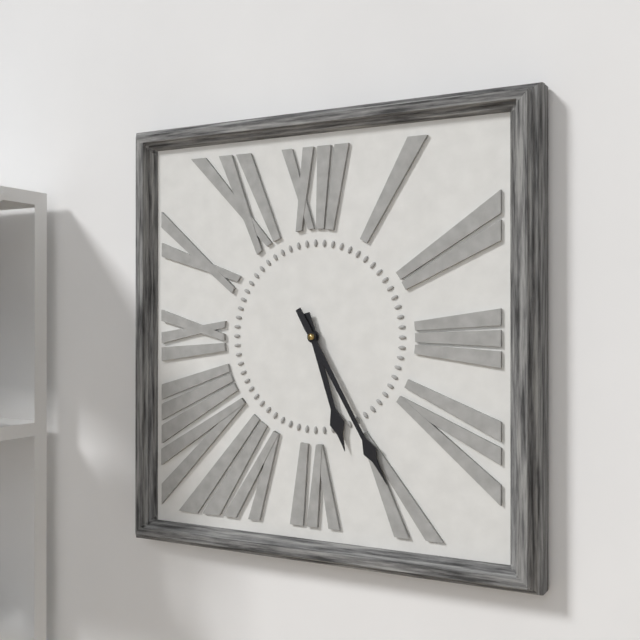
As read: 5.25
